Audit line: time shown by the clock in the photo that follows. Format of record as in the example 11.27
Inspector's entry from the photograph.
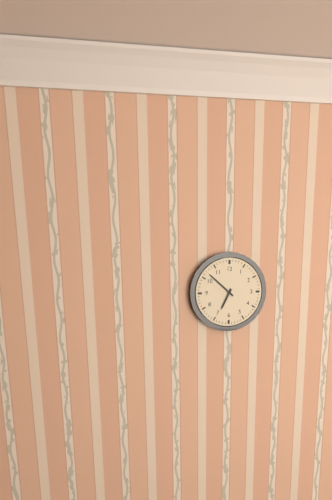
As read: 6.52
